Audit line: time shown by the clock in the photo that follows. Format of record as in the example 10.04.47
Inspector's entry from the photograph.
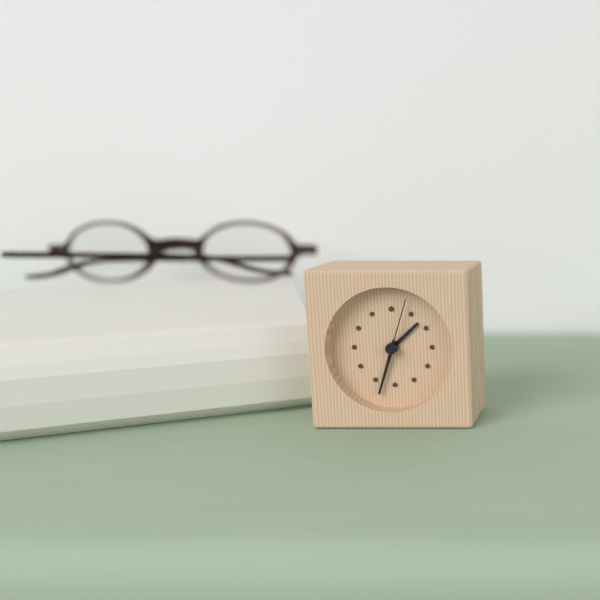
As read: 1.33.03
